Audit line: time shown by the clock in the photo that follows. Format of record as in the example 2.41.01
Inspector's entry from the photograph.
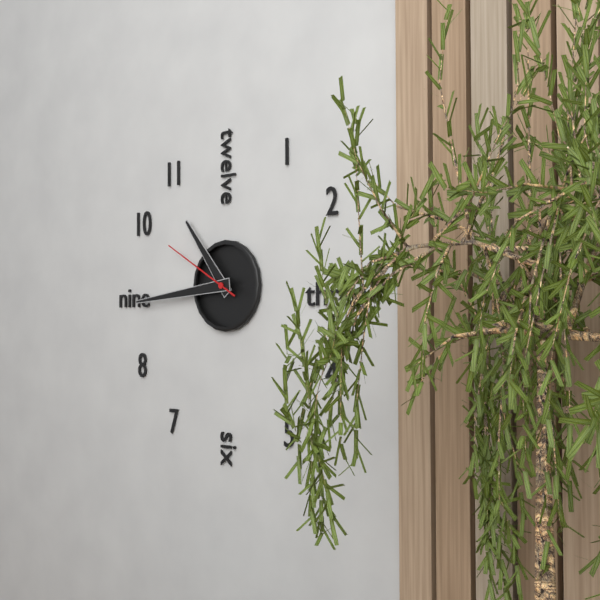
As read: 10.44.50
